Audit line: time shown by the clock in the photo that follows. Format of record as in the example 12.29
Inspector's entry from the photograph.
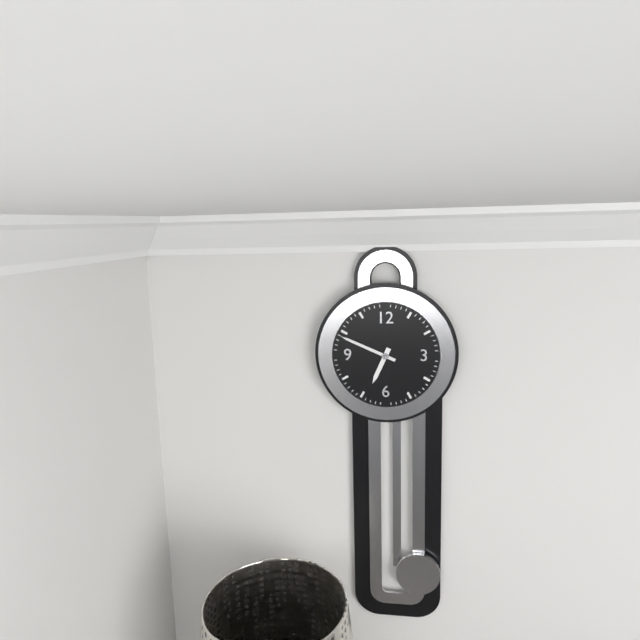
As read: 6.49
